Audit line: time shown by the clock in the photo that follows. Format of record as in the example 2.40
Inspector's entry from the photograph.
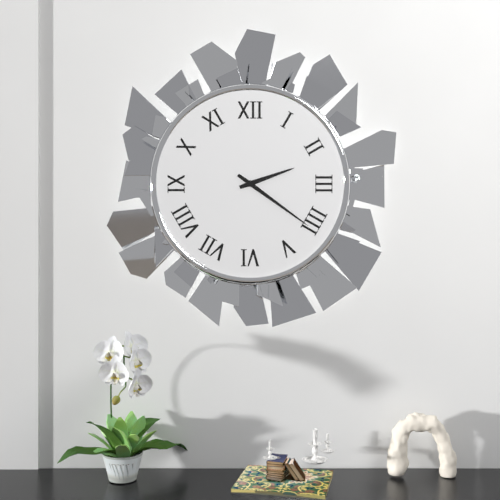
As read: 2.21
